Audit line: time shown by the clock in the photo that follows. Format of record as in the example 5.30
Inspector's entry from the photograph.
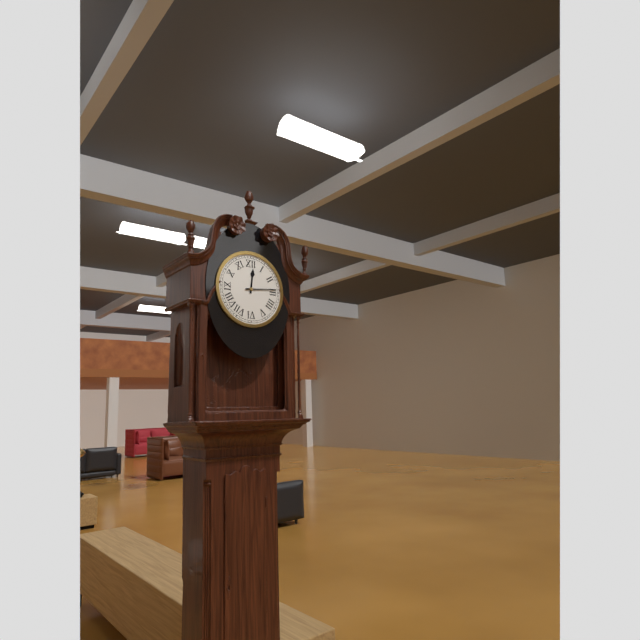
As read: 12.14
